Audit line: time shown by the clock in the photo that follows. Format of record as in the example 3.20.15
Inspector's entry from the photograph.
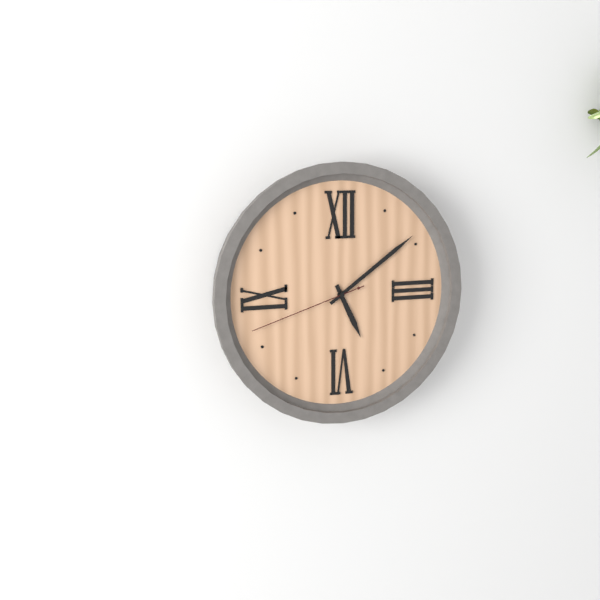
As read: 5.09.42
